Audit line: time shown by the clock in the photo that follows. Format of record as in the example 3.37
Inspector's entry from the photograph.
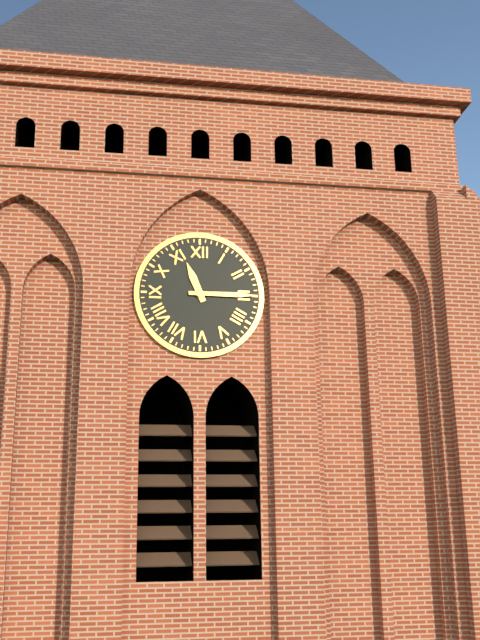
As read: 11.15
